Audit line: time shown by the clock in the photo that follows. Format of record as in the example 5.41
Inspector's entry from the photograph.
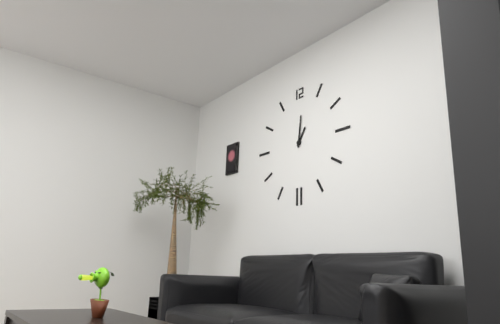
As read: 1.01
